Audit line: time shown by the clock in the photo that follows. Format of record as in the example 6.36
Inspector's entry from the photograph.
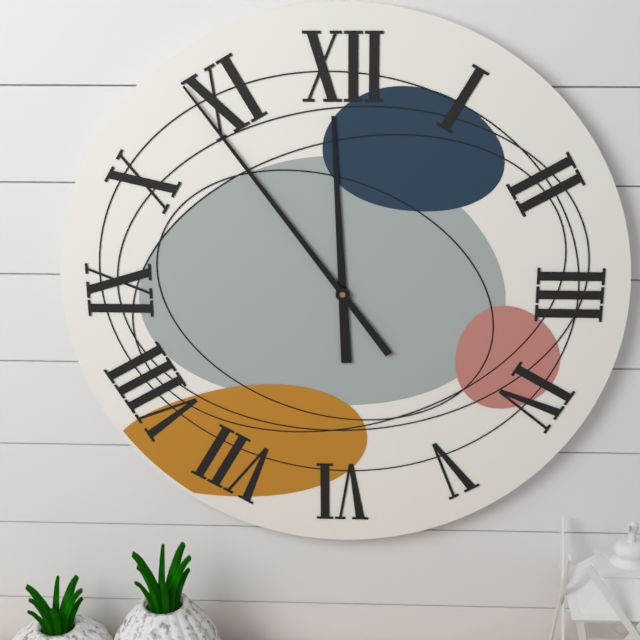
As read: 11.54
